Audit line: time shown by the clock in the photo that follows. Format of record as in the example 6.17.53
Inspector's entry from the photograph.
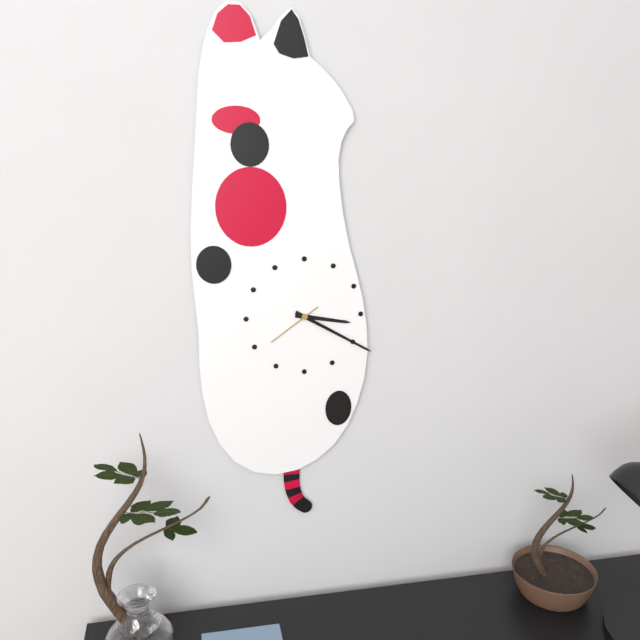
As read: 3.20.39
